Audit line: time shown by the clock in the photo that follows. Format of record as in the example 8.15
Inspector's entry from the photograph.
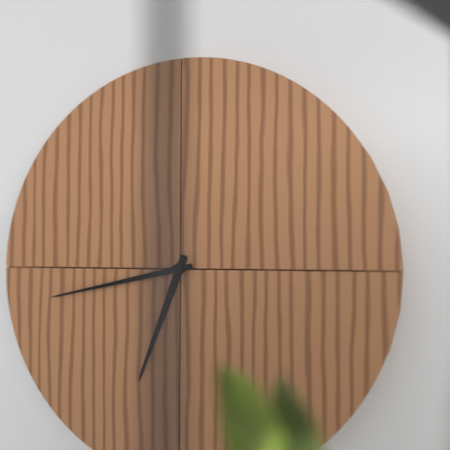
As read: 6.43
